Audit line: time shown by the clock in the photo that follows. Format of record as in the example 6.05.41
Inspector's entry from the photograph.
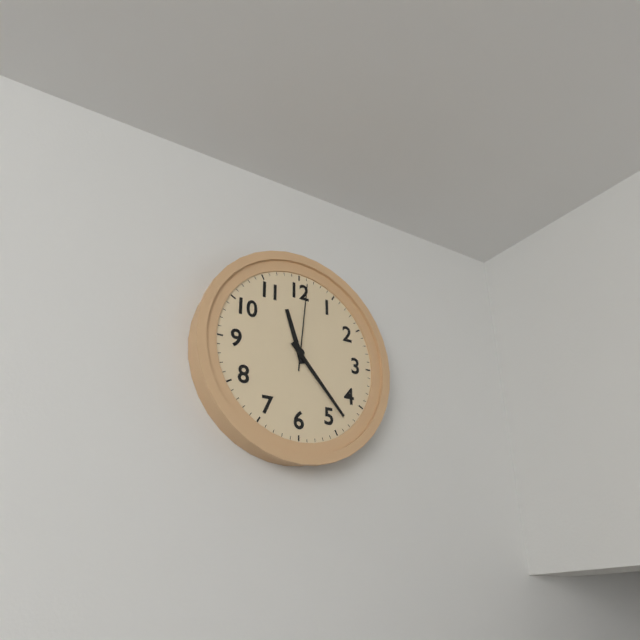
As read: 11.23.01
